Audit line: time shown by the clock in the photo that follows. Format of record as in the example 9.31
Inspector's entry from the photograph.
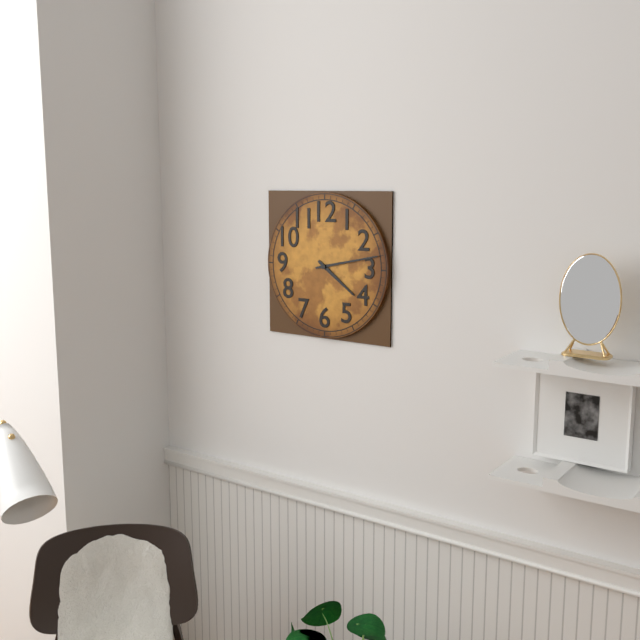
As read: 4.13
